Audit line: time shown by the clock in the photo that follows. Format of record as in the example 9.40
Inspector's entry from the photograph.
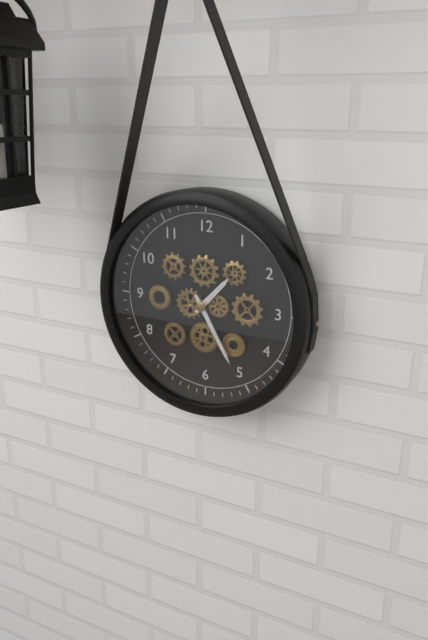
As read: 1.25
